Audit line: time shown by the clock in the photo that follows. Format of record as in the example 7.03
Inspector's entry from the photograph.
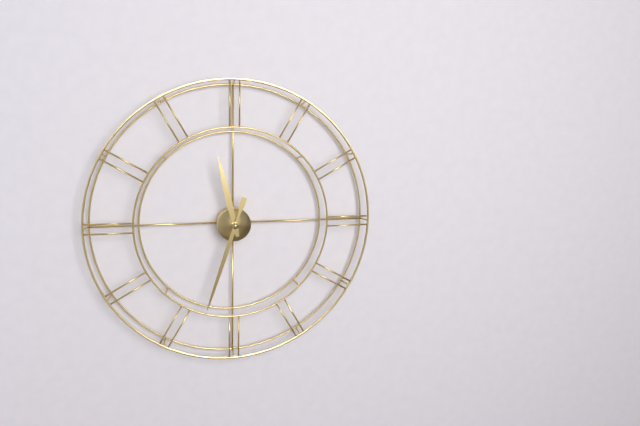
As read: 11.33
